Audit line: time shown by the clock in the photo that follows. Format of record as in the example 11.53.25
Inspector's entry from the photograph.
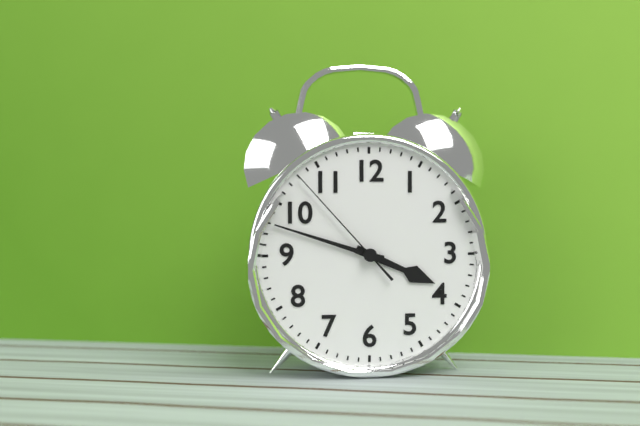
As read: 3.48.53
